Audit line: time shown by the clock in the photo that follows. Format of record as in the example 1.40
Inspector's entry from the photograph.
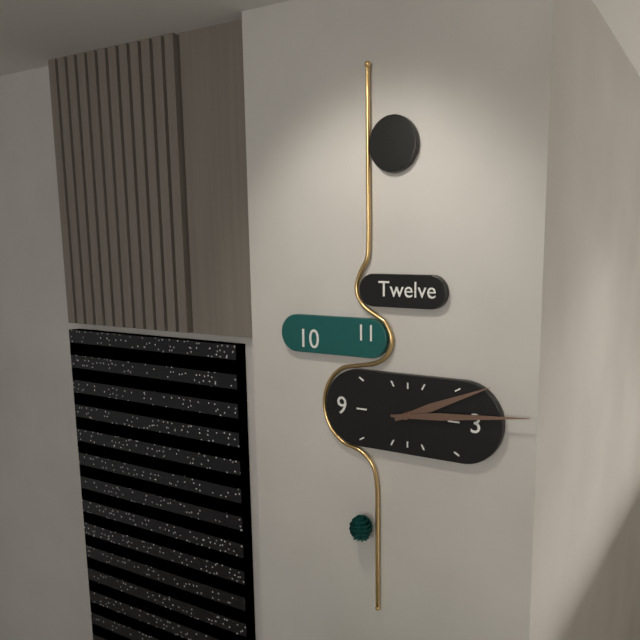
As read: 2.14
